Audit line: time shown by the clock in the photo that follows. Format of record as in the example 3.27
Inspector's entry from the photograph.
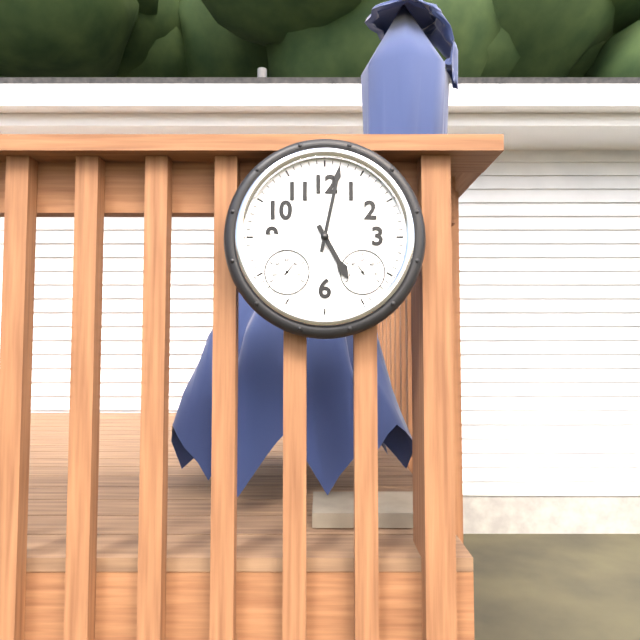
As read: 5.02
